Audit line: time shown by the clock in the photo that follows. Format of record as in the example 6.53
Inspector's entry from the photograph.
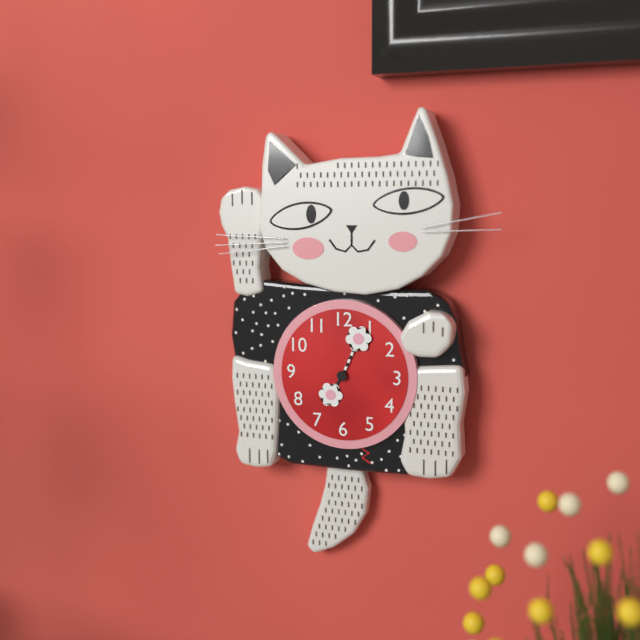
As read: 7.04
